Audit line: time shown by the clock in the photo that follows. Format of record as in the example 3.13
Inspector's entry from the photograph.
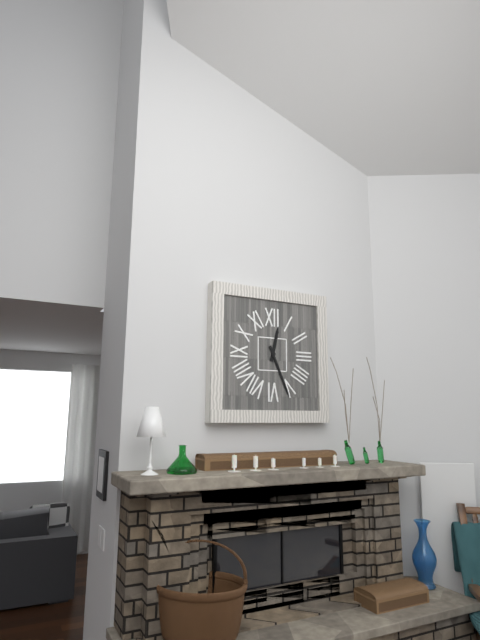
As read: 12.26
